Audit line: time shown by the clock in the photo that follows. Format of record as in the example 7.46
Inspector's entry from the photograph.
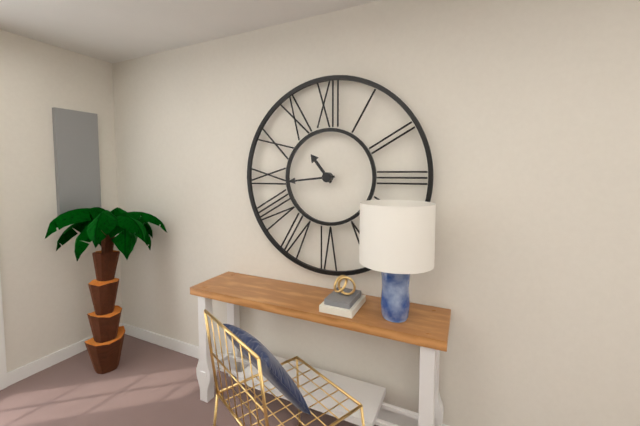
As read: 10.44
